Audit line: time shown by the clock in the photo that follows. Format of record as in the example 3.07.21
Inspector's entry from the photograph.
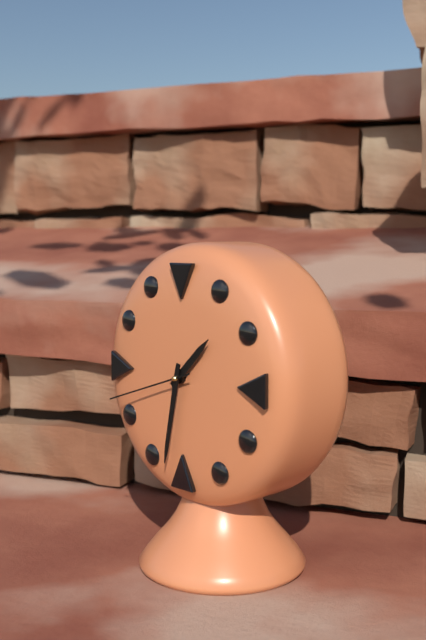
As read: 1.32.42
